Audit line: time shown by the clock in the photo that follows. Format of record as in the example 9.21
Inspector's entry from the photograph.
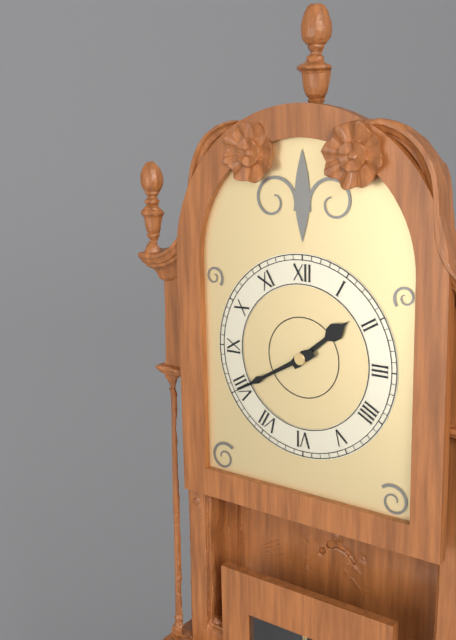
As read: 1.40
